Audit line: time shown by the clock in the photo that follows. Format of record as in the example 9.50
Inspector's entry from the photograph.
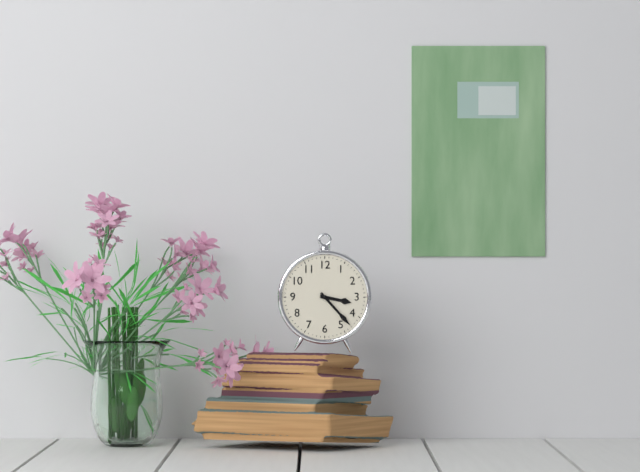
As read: 3.23
